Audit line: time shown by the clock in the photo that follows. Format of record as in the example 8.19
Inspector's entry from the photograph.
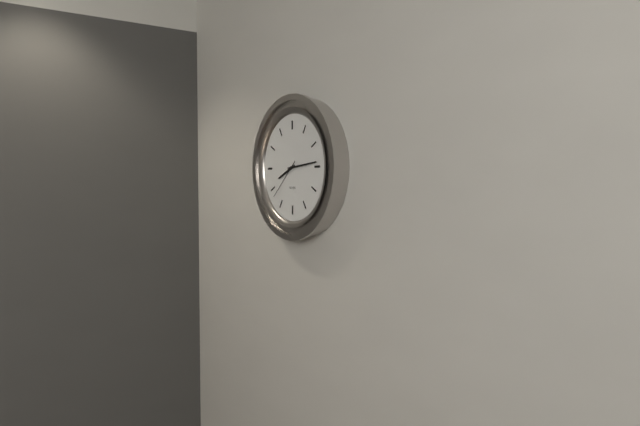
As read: 8.14
